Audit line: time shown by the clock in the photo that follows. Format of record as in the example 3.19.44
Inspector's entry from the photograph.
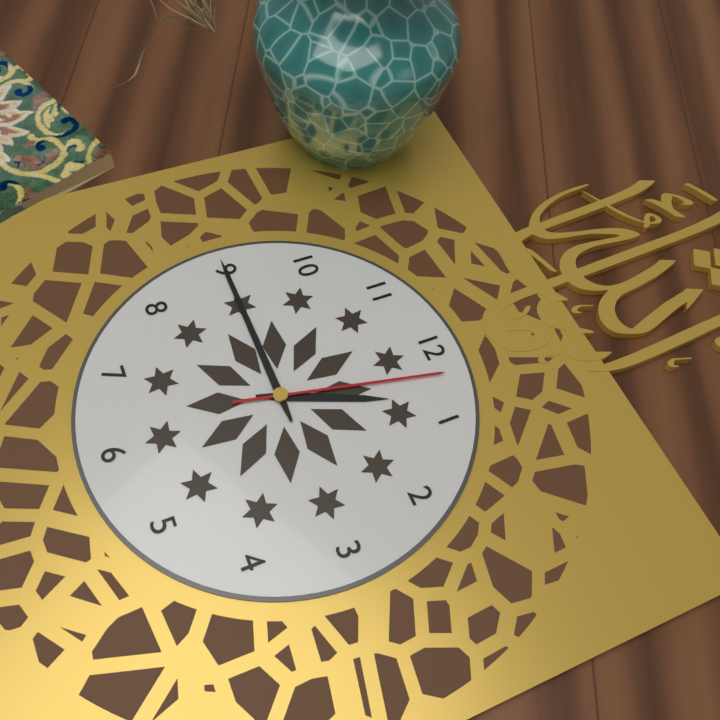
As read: 12.45.02
